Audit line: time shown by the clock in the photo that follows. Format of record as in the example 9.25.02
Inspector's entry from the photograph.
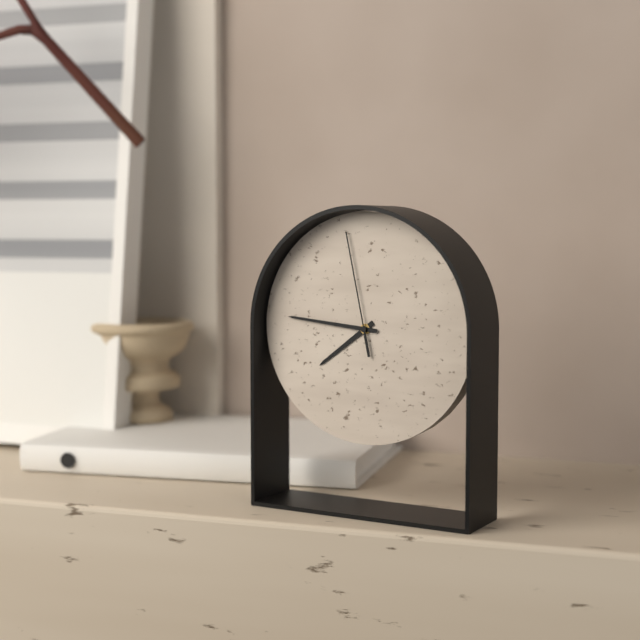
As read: 7.46.58
